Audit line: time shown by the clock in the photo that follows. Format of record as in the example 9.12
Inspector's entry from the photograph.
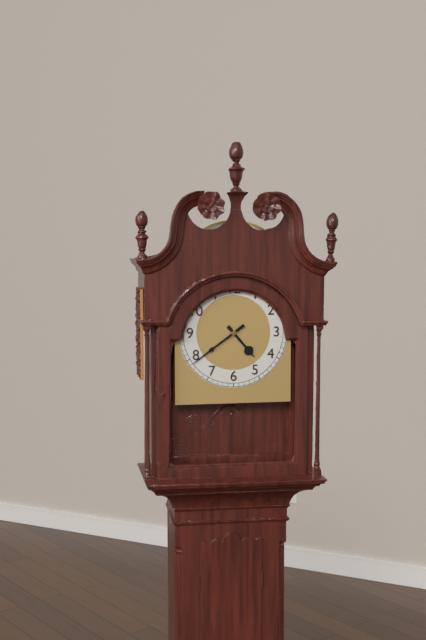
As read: 4.39
